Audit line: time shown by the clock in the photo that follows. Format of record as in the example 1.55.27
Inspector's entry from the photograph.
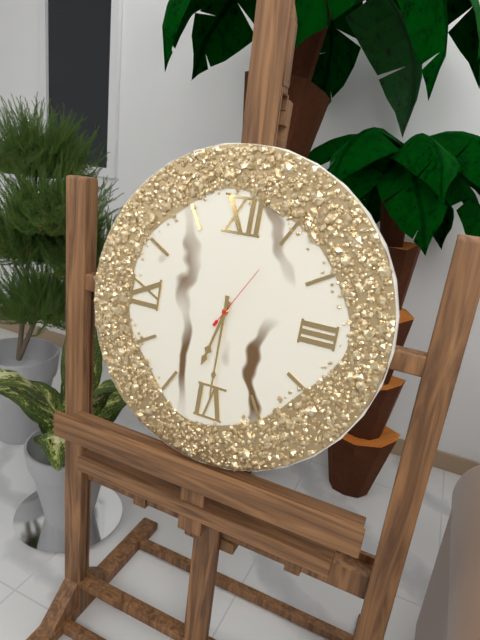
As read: 6.30.05
